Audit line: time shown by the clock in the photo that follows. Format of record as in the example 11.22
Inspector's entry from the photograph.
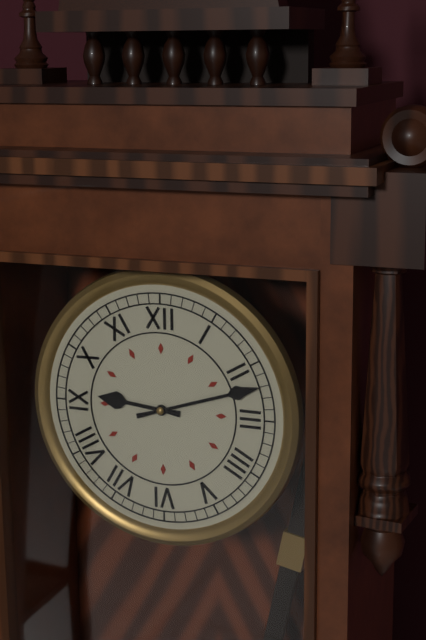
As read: 9.12
